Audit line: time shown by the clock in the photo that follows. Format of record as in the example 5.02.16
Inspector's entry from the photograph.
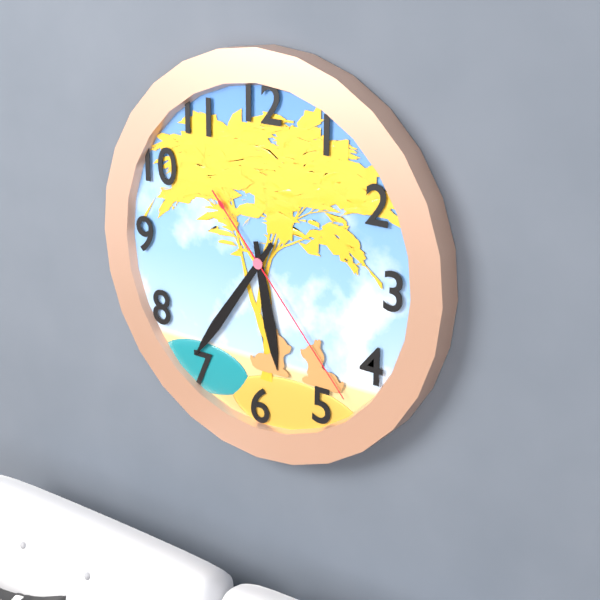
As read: 5.36.23
